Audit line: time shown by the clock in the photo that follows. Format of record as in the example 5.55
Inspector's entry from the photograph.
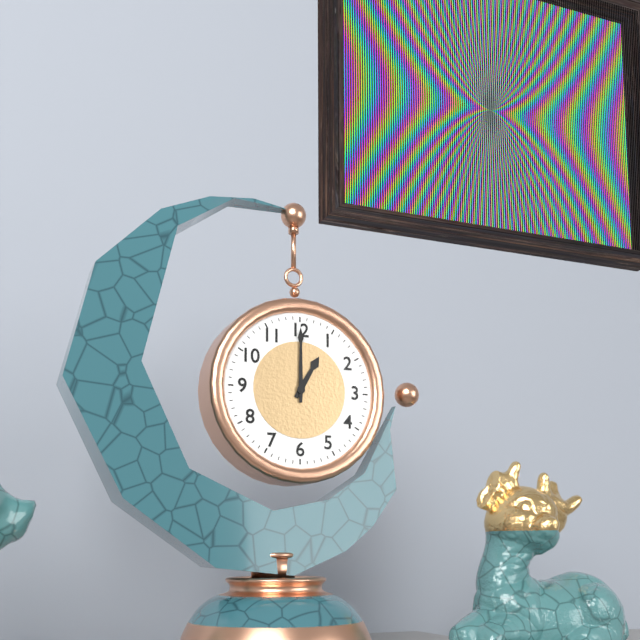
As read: 1.00
